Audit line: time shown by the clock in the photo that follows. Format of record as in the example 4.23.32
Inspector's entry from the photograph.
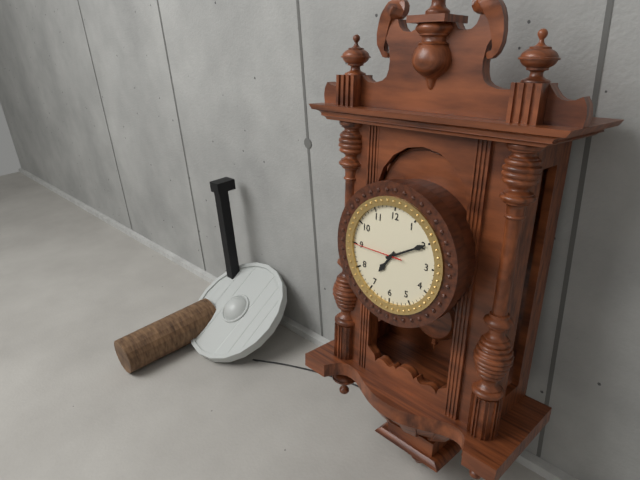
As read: 7.10.45
